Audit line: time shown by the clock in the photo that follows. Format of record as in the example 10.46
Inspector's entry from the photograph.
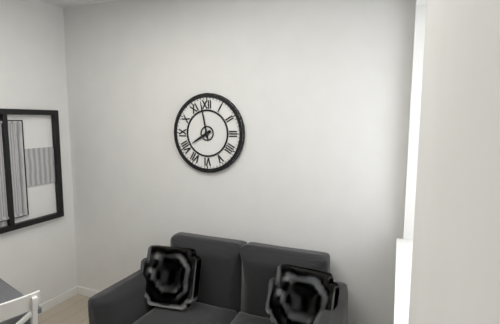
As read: 7.58
